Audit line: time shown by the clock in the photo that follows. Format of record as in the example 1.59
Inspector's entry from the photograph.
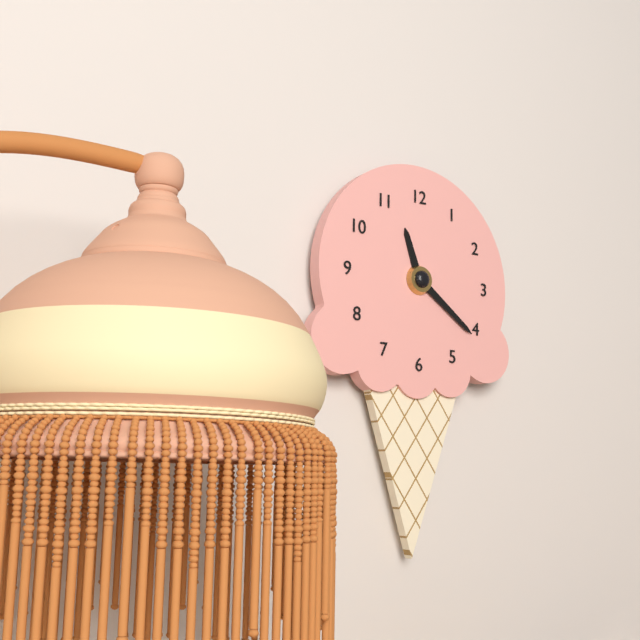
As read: 11.21
